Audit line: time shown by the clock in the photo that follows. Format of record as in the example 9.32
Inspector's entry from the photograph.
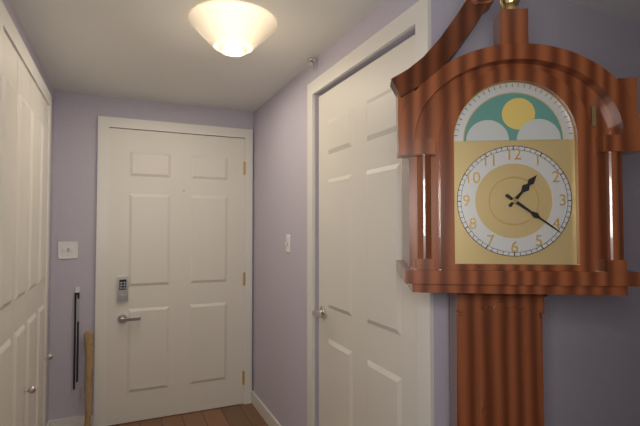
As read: 1.21
